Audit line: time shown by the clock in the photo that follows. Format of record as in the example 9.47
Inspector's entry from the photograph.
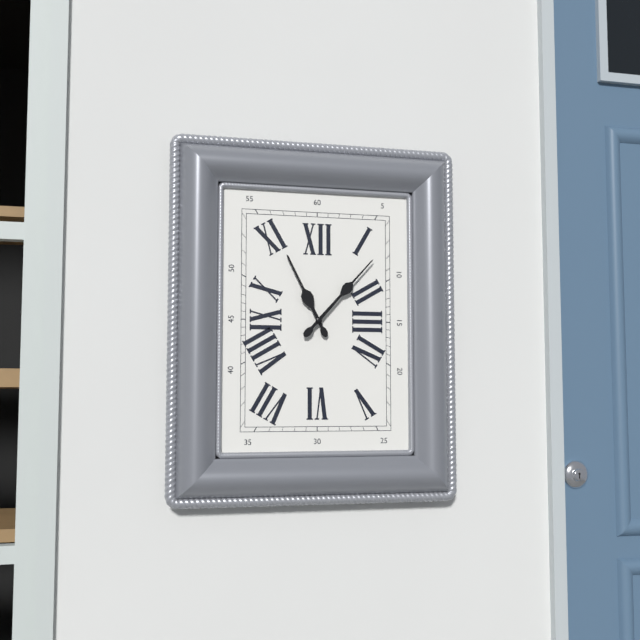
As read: 11.07
